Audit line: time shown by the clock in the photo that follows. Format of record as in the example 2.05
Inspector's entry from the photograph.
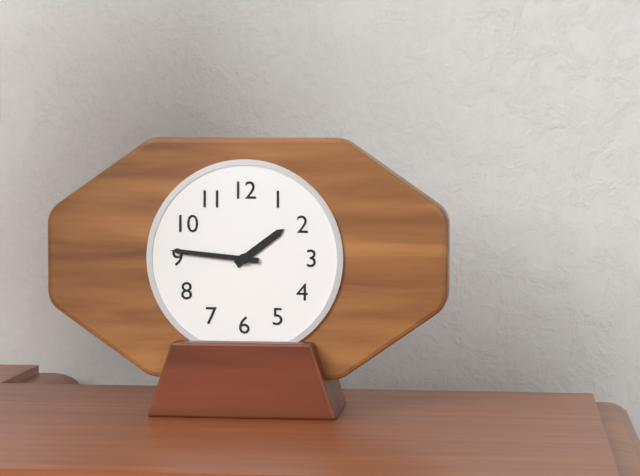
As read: 1.46
